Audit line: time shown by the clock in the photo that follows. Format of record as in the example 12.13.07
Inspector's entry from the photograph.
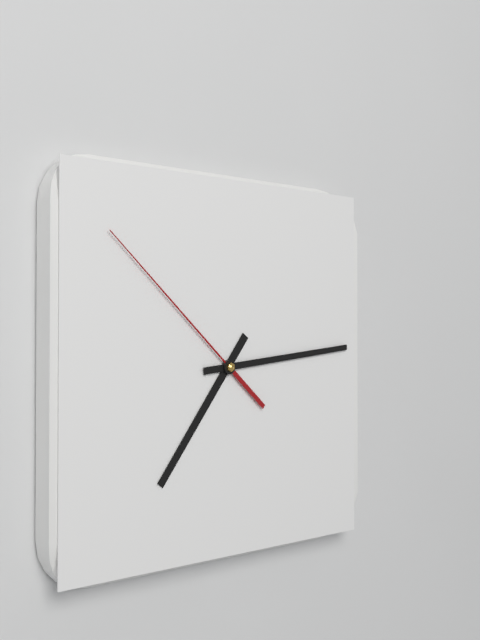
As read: 7.14.52
